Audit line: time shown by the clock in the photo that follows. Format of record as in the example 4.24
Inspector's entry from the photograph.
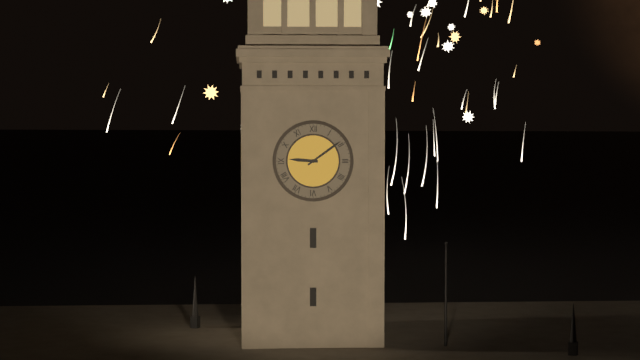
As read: 9.09
